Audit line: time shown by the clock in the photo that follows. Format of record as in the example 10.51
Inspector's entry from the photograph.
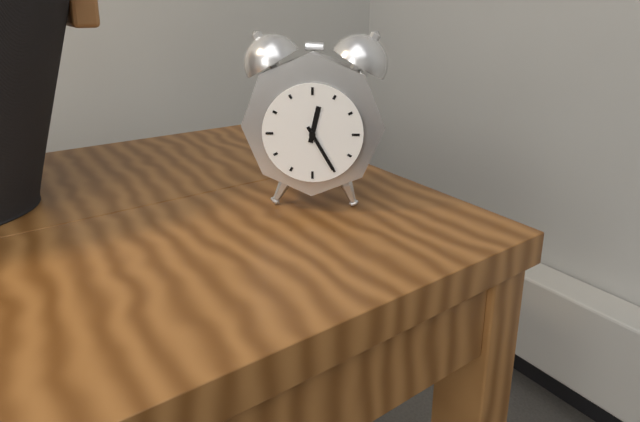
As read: 12.25
